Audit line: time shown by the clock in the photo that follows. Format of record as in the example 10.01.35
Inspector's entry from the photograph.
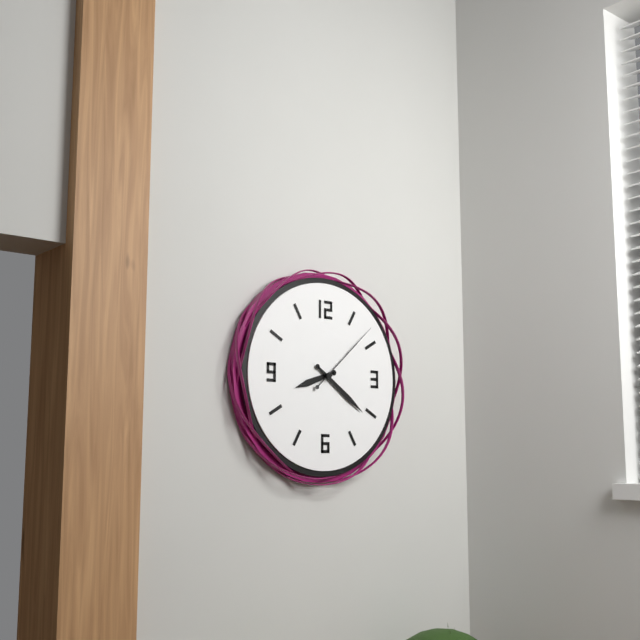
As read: 8.21.08
